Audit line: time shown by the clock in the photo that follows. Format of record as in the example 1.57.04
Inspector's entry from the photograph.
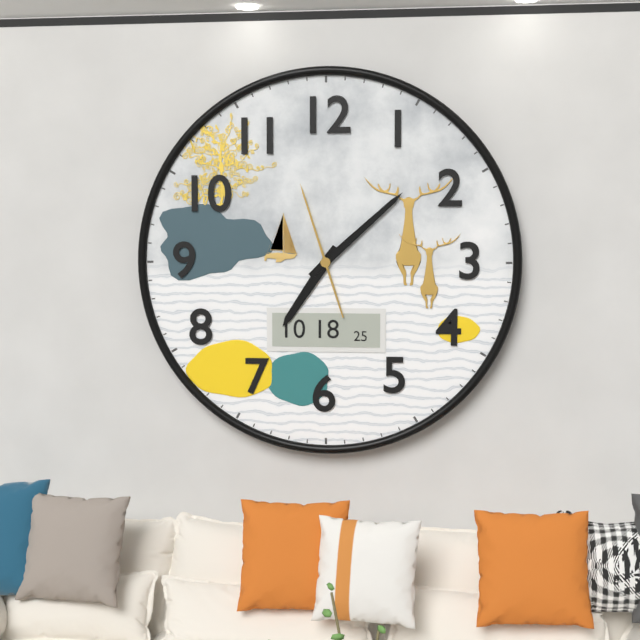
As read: 7.08.57
